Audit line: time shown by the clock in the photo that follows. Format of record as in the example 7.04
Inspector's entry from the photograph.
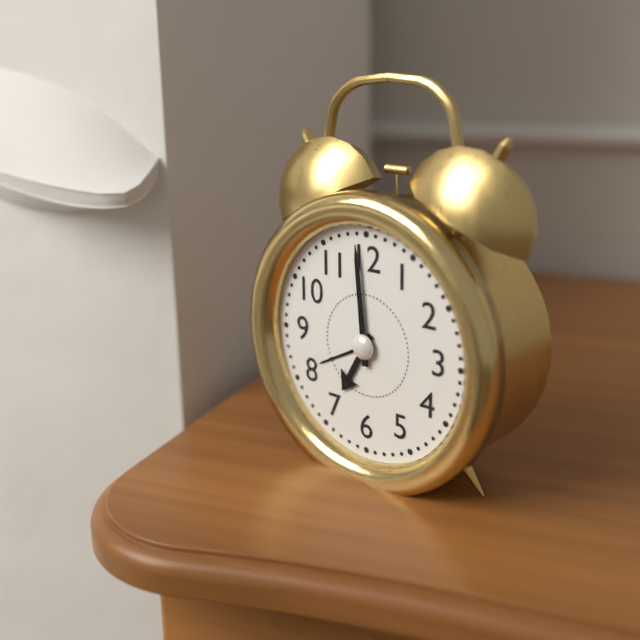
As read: 6.59
